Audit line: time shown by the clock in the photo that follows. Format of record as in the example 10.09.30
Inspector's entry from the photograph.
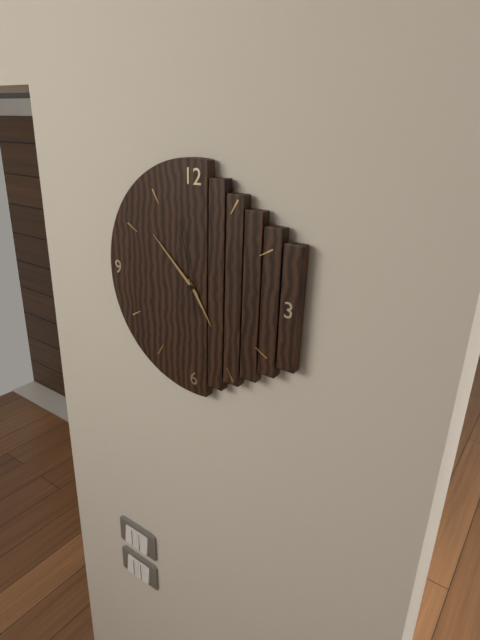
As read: 4.52.58
